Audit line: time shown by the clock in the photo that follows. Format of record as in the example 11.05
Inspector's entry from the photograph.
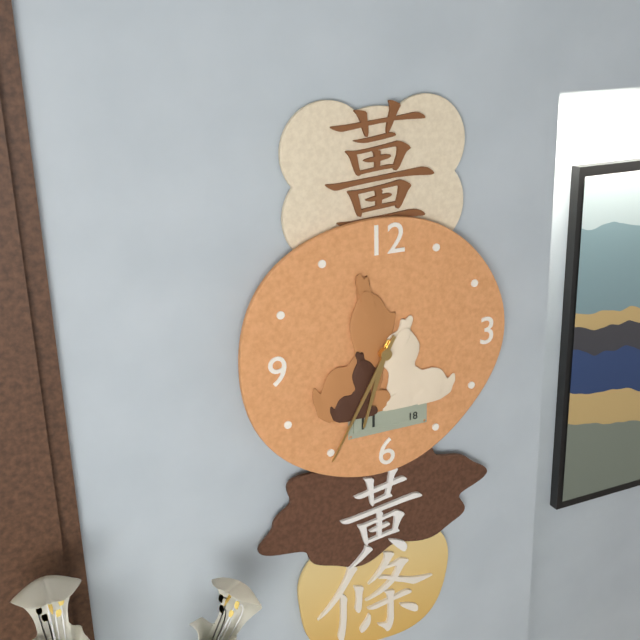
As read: 6.35
